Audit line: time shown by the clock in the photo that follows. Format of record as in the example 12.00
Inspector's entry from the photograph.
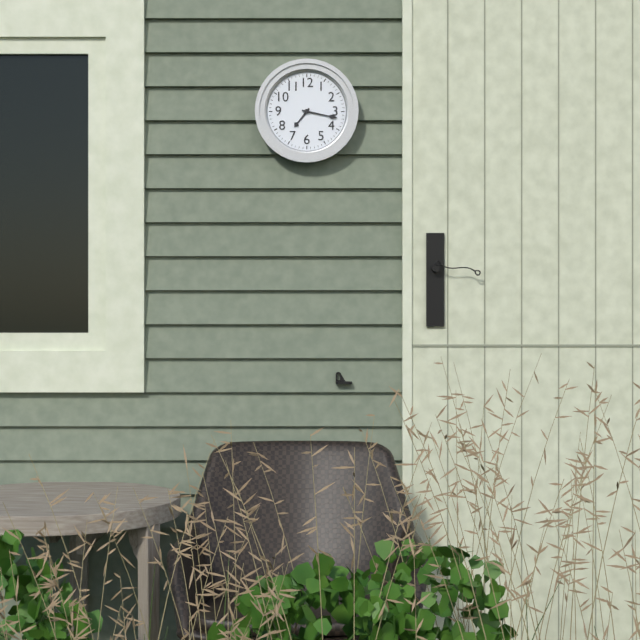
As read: 7.17
